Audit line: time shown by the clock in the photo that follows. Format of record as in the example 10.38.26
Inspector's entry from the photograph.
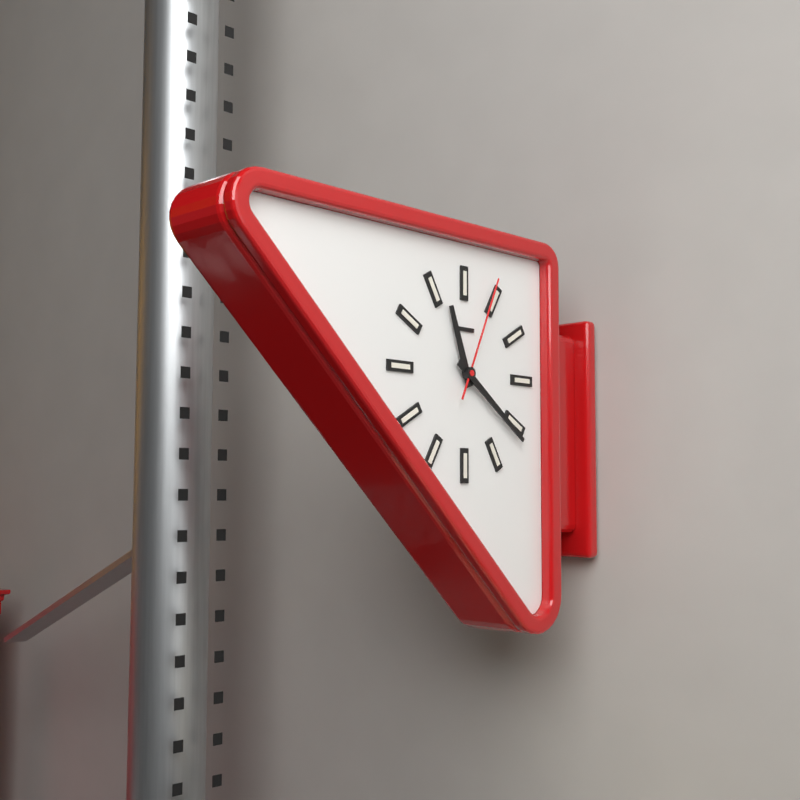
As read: 11.21.04
